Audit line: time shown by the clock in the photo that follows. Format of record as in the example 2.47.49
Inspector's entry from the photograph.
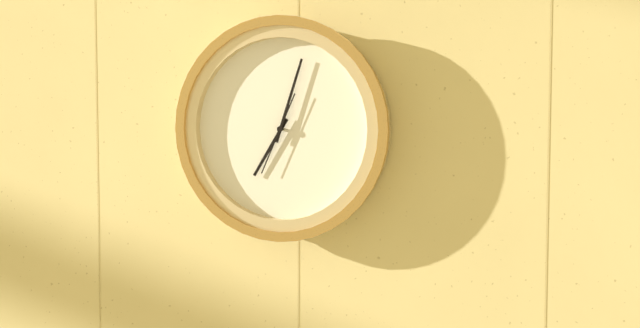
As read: 7.03.34
